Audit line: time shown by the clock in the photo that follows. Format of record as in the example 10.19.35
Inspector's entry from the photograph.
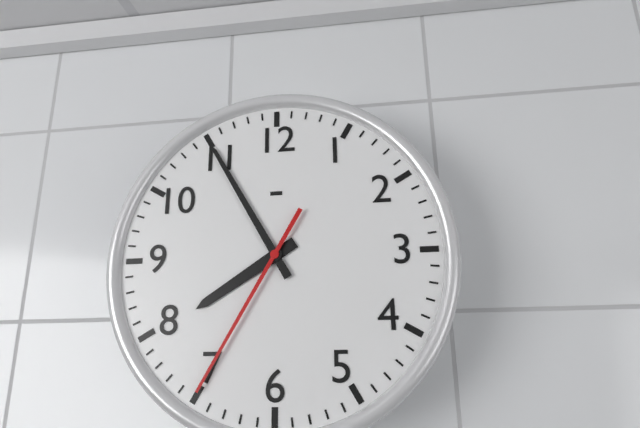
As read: 7.55.35
